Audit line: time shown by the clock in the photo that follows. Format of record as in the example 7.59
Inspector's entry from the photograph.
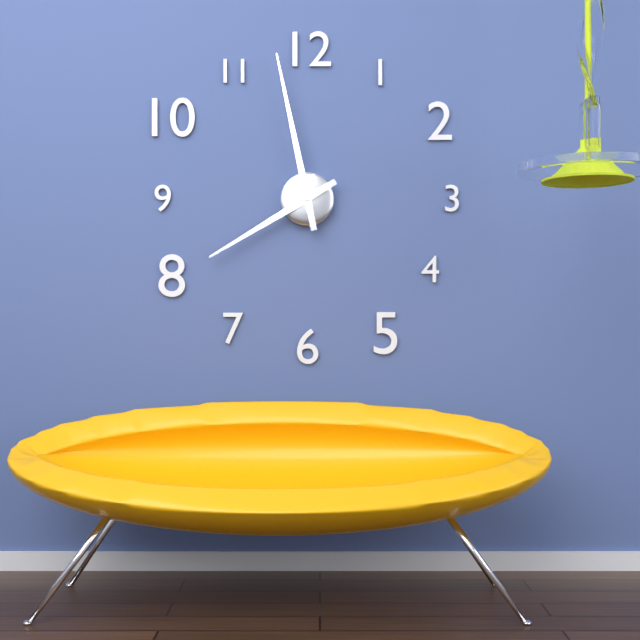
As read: 7.58
